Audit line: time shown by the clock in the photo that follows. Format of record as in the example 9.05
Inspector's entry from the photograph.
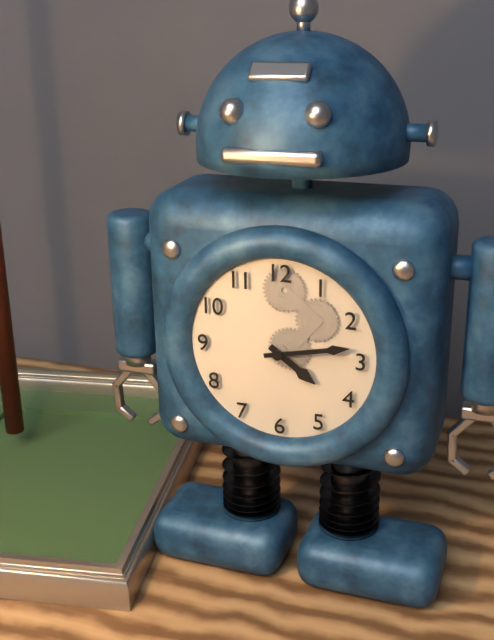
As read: 4.13
